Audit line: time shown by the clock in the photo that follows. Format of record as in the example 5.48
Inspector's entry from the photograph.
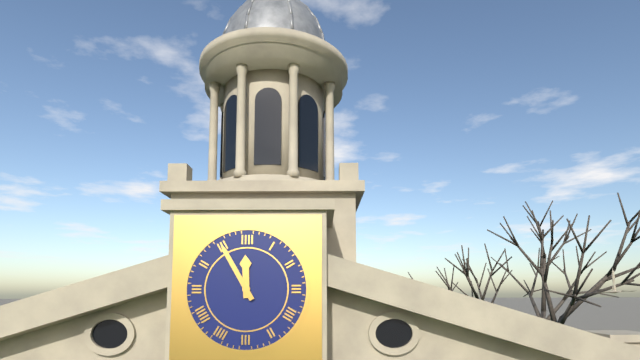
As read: 11.55
